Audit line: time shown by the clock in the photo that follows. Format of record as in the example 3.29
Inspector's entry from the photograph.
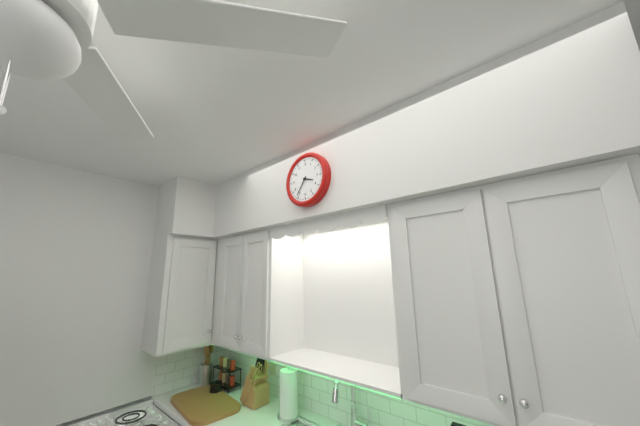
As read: 3.36
